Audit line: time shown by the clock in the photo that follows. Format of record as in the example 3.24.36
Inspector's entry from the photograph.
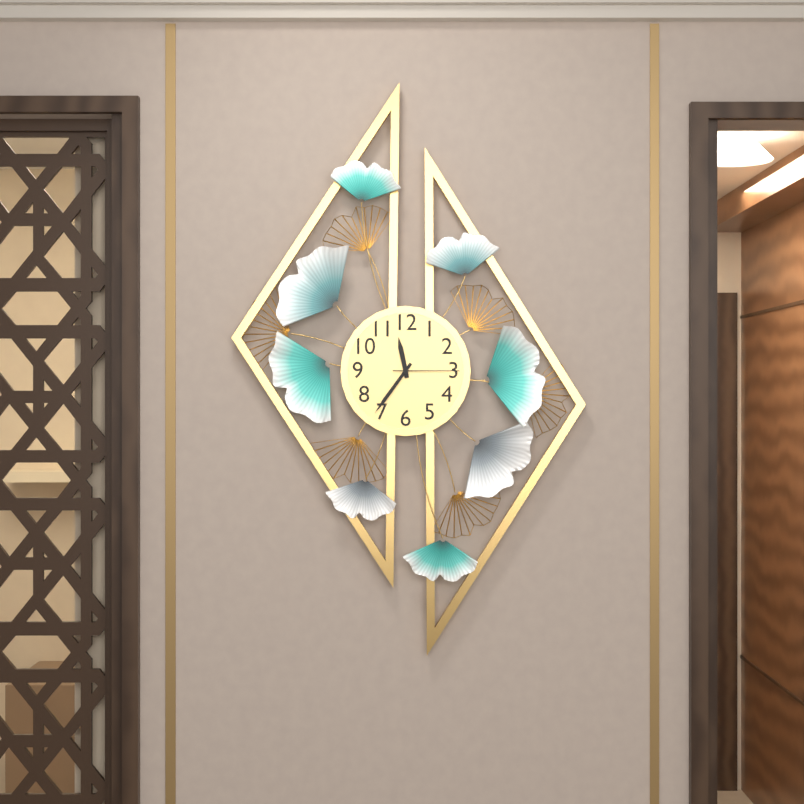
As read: 11.36.15
